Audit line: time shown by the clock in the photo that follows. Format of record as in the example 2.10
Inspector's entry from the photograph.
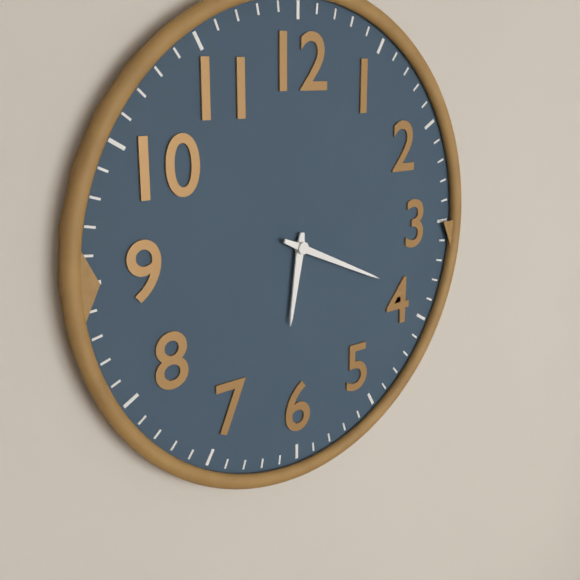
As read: 6.19
